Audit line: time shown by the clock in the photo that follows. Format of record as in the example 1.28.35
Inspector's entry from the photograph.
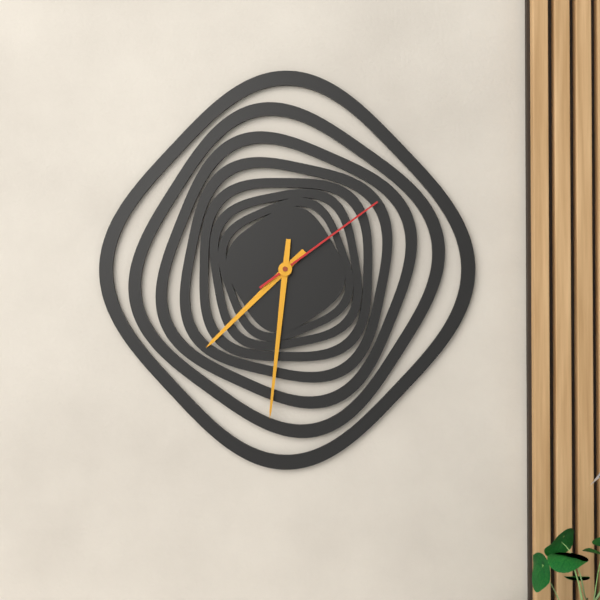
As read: 7.31.09
